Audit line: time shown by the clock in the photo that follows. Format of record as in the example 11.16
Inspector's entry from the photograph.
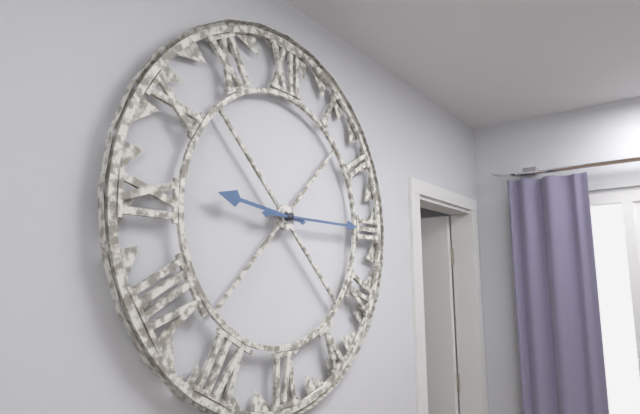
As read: 9.15
